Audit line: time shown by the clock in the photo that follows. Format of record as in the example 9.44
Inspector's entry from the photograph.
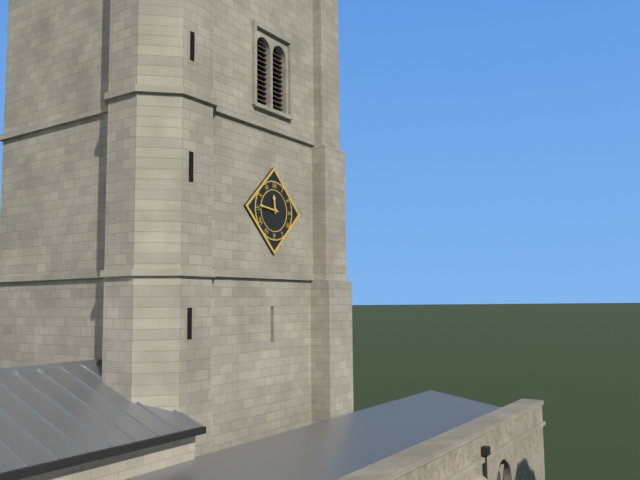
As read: 11.46
